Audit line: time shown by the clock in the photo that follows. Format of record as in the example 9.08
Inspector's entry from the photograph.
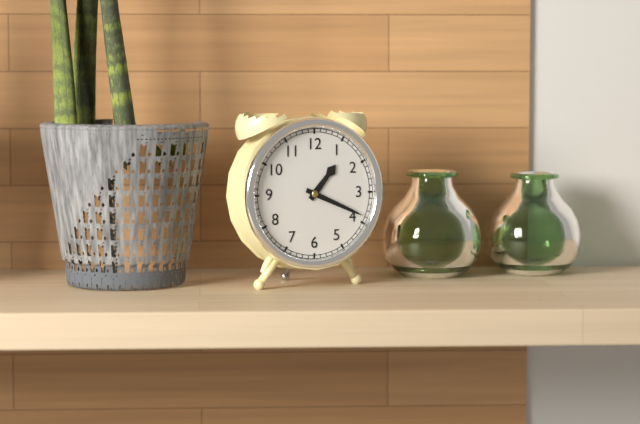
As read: 1.19
